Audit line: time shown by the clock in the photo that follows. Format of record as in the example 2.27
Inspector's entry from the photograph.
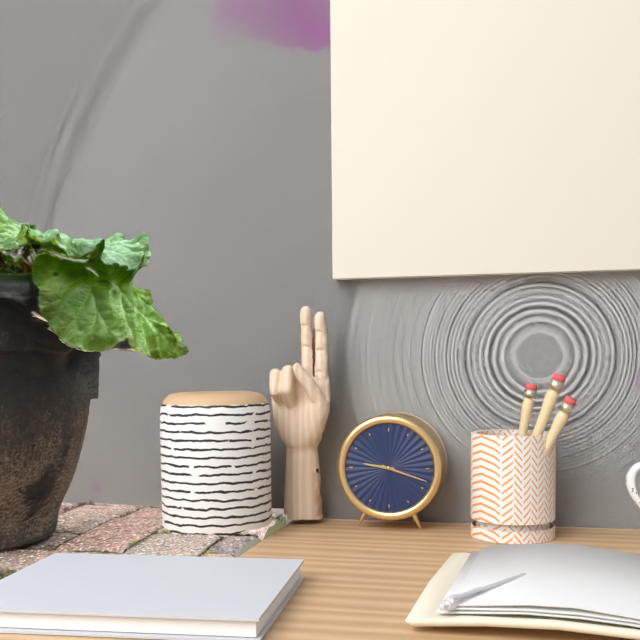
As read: 9.18
